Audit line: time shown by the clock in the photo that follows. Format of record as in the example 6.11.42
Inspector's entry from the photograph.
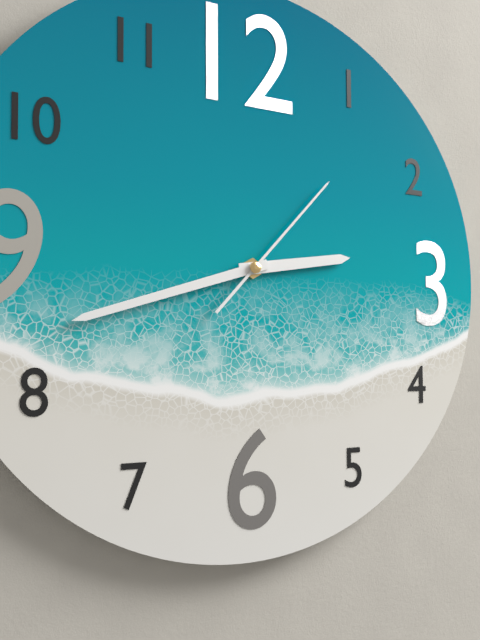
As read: 2.42.07
